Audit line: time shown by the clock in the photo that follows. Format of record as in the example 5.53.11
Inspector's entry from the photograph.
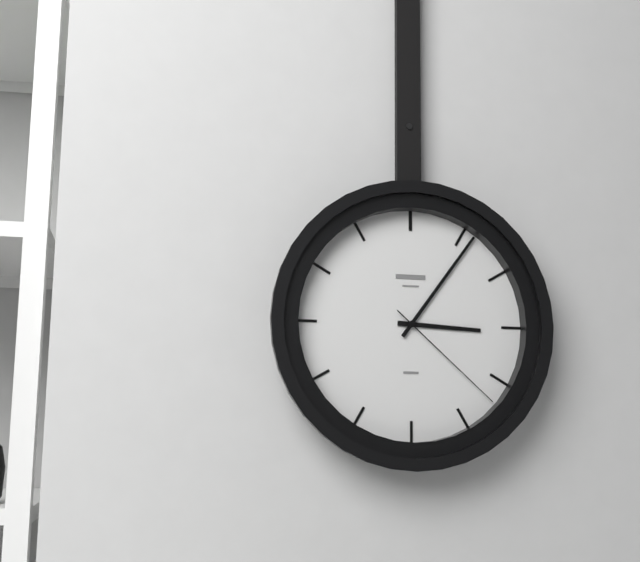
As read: 3.06.22
